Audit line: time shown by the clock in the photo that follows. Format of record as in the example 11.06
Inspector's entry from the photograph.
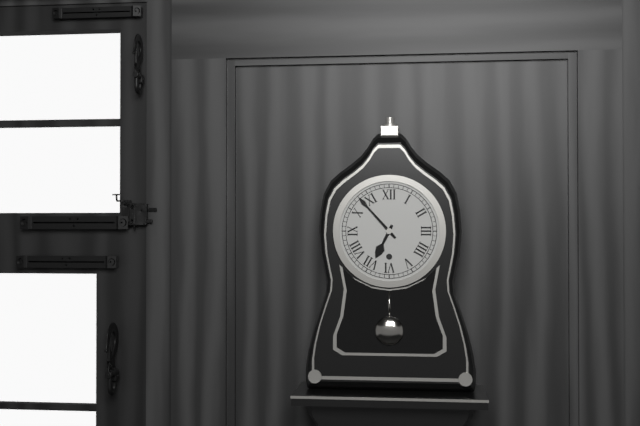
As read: 6.53
